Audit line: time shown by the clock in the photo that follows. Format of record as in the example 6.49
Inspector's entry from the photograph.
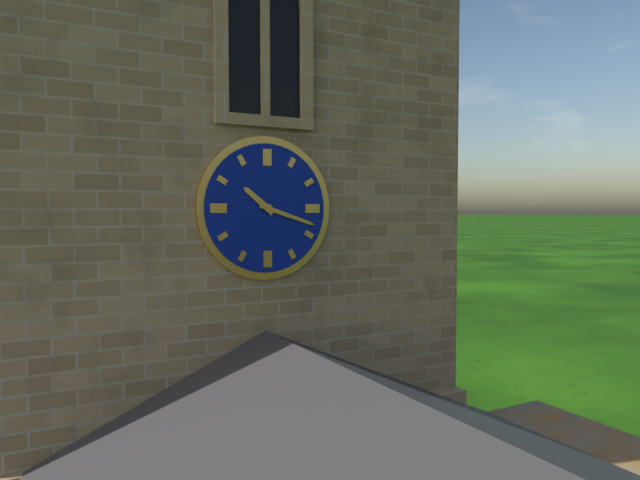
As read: 10.18
